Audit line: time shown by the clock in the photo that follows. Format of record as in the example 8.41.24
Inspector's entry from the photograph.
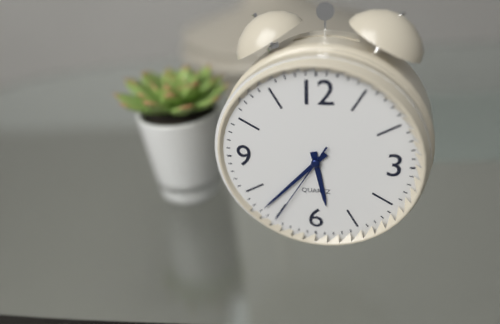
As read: 5.37.35
